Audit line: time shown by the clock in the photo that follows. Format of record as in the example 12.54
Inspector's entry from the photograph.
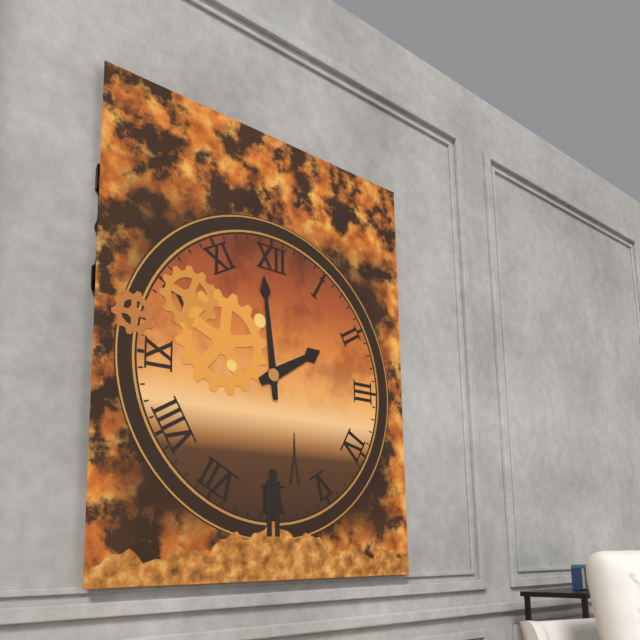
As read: 1.59
